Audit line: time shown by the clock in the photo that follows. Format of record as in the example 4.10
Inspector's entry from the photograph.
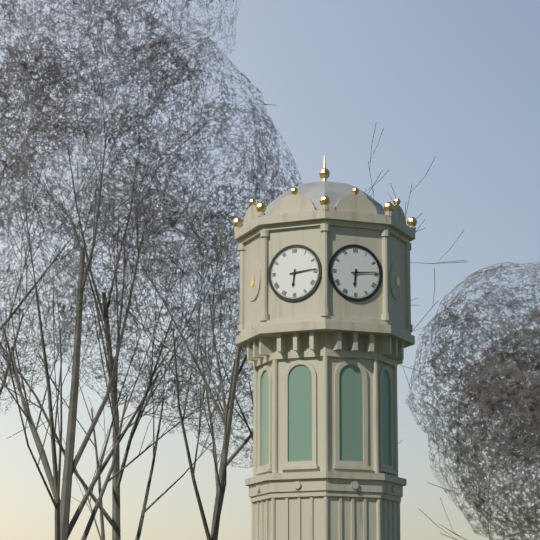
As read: 6.14
